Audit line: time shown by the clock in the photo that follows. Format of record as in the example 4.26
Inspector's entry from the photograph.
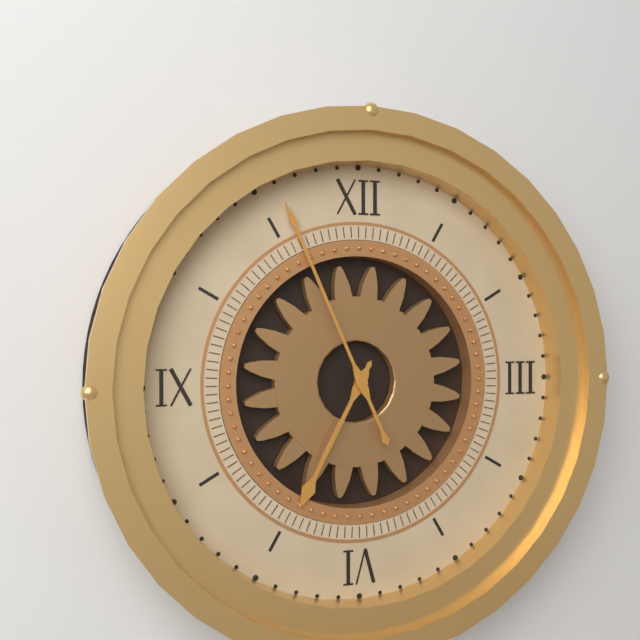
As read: 6.56
